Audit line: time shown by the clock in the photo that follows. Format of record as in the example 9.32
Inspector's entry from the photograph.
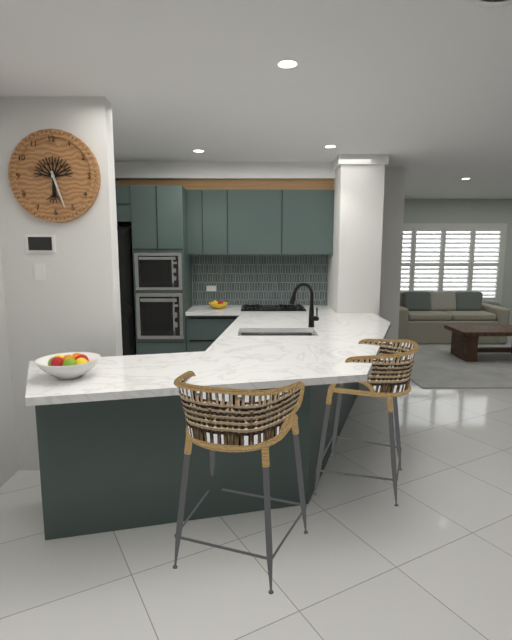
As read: 5.27
